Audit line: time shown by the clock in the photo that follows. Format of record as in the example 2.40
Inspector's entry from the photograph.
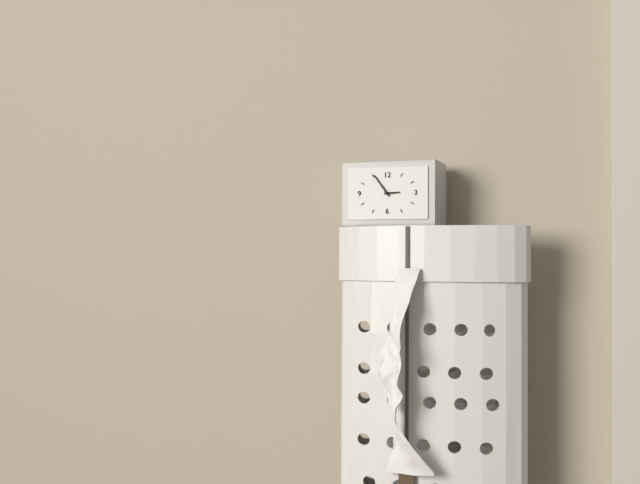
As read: 2.54
